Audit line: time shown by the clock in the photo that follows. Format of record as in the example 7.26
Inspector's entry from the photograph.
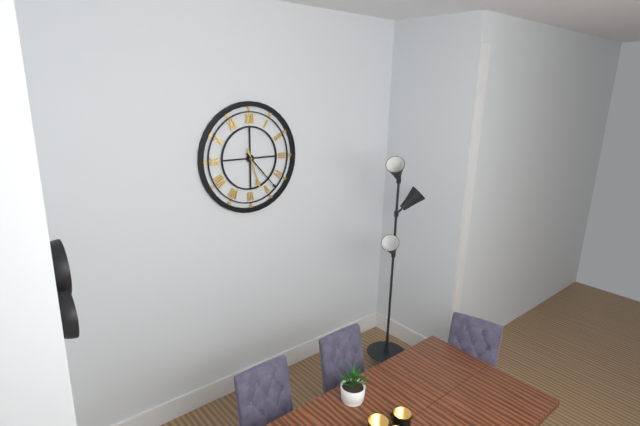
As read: 5.23
